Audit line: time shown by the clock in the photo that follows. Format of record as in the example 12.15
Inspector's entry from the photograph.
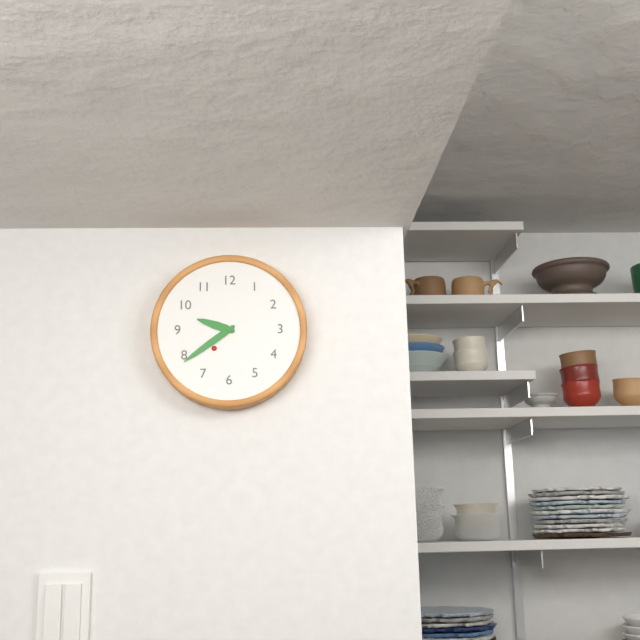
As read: 9.39
